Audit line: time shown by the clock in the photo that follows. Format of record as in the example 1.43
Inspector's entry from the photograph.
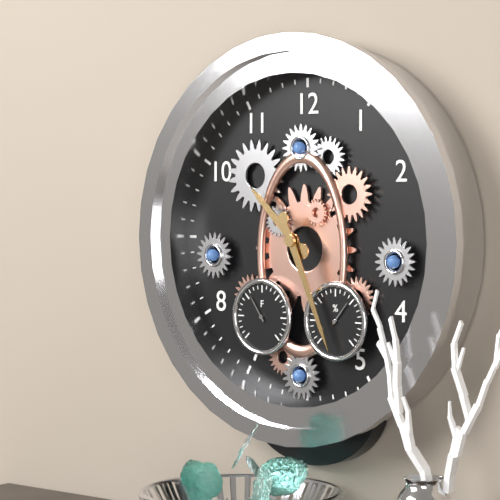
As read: 10.26
